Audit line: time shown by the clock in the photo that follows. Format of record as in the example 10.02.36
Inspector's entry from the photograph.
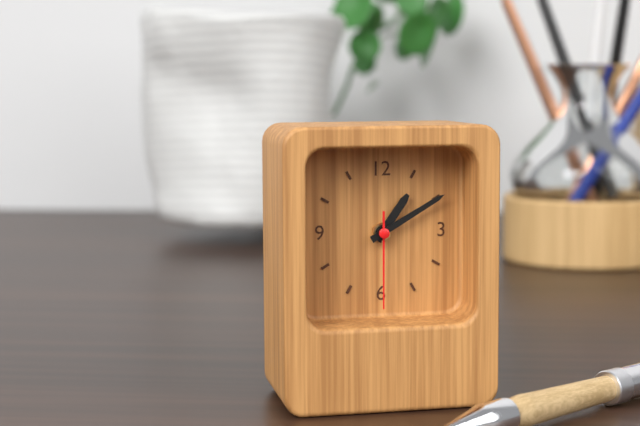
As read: 1.10.30
